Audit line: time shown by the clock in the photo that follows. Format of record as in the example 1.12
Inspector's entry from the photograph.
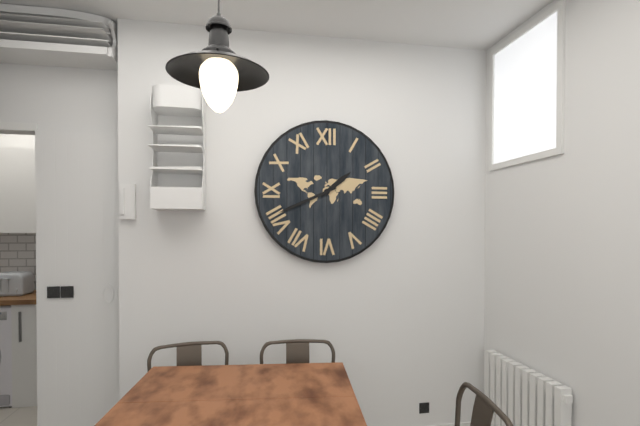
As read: 1.41
